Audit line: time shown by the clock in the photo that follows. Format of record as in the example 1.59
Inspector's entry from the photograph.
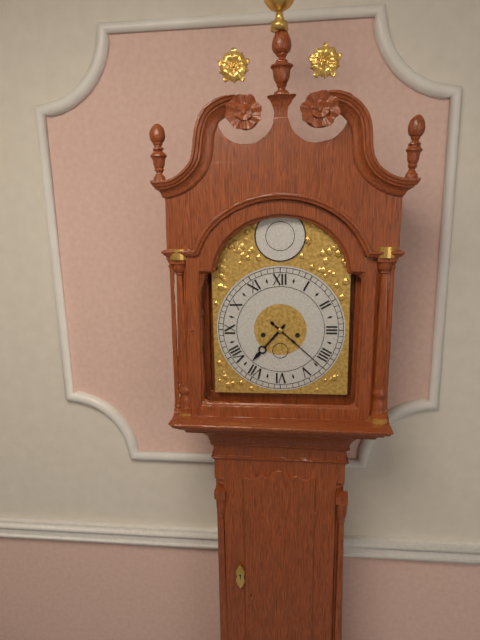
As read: 7.22
